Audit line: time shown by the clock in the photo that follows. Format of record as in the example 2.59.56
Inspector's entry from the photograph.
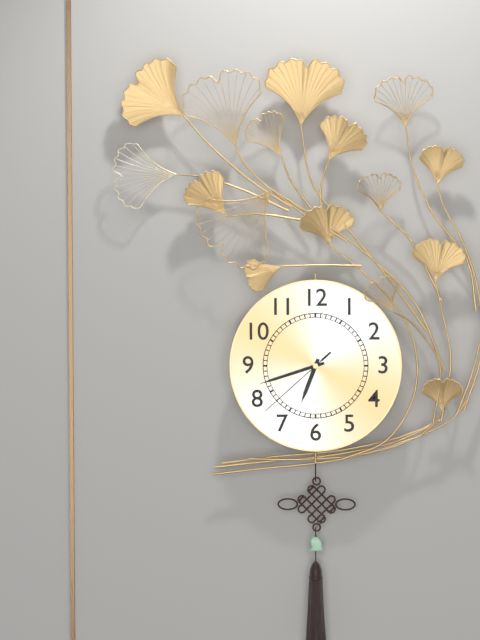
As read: 6.42.38
